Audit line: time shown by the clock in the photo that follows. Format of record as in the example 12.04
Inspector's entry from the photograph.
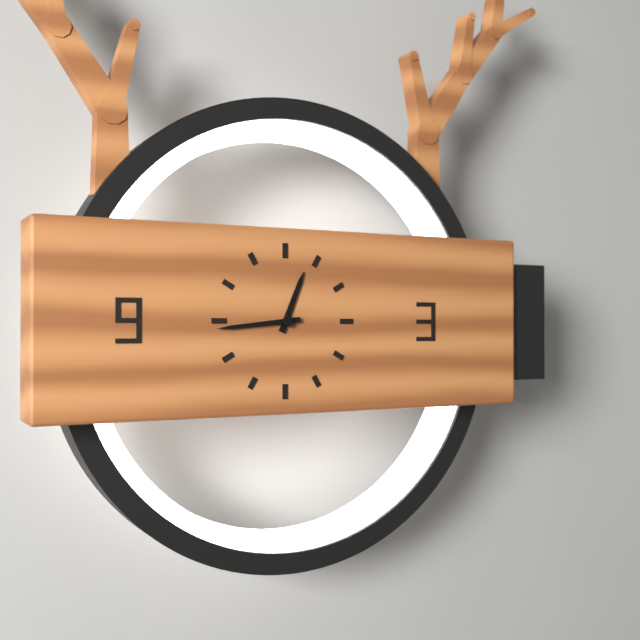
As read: 12.44
